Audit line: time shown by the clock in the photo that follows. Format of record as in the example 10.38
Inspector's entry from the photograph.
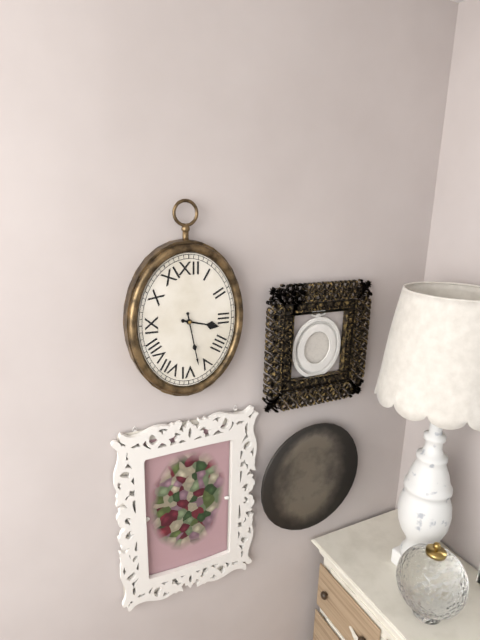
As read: 3.28
